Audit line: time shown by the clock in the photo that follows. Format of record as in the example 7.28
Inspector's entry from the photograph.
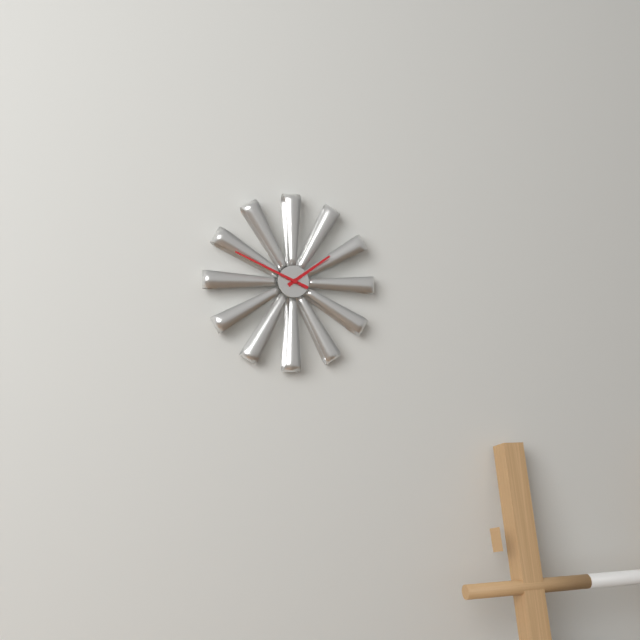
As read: 1.49
